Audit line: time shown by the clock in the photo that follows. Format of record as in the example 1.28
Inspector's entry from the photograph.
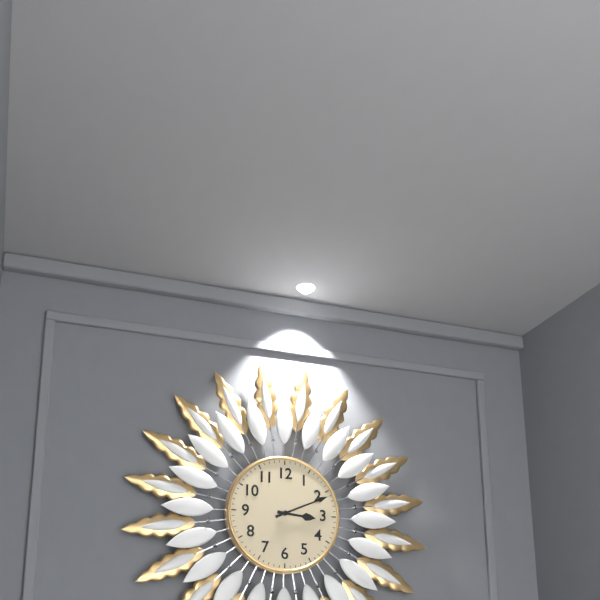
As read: 3.11
